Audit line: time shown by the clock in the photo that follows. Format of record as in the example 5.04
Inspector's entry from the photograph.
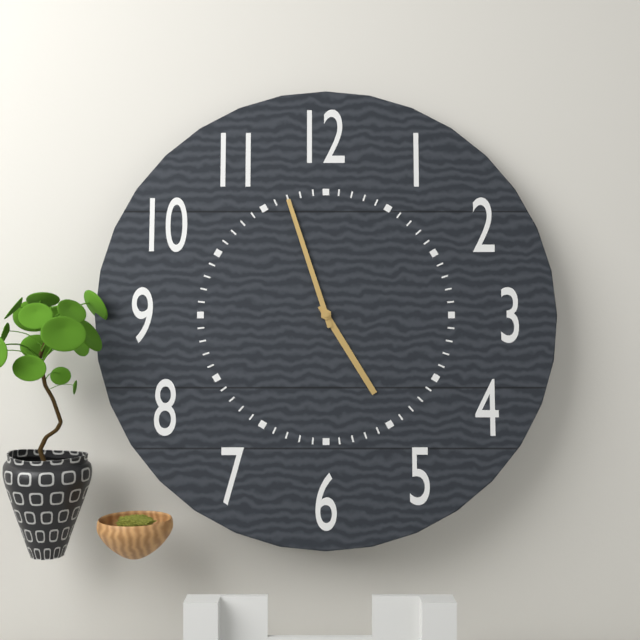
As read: 4.57
